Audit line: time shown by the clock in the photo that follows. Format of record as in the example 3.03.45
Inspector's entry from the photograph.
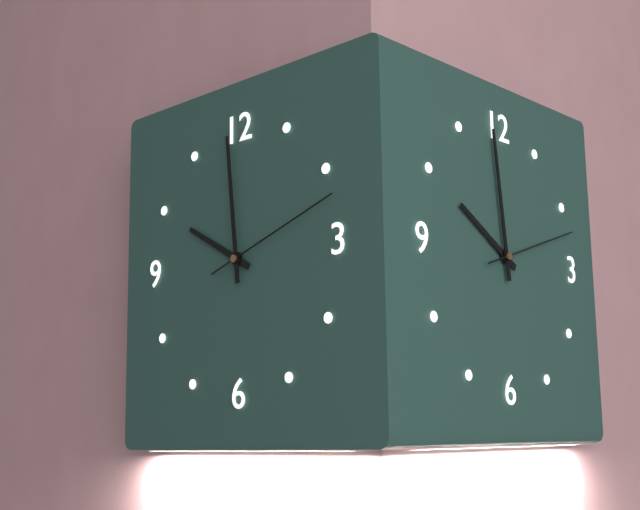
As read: 9.59.12
